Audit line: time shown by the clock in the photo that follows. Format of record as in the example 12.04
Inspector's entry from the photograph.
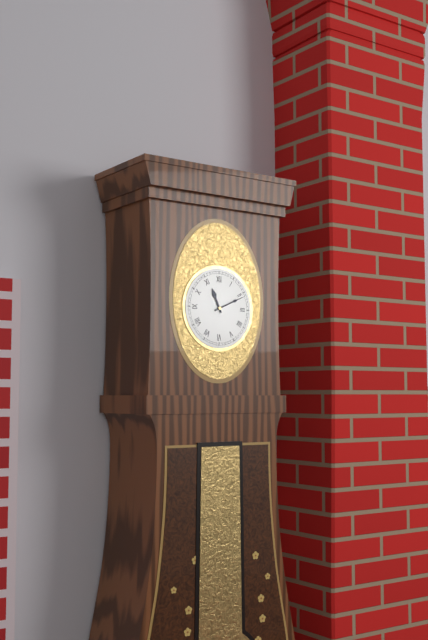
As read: 11.11
